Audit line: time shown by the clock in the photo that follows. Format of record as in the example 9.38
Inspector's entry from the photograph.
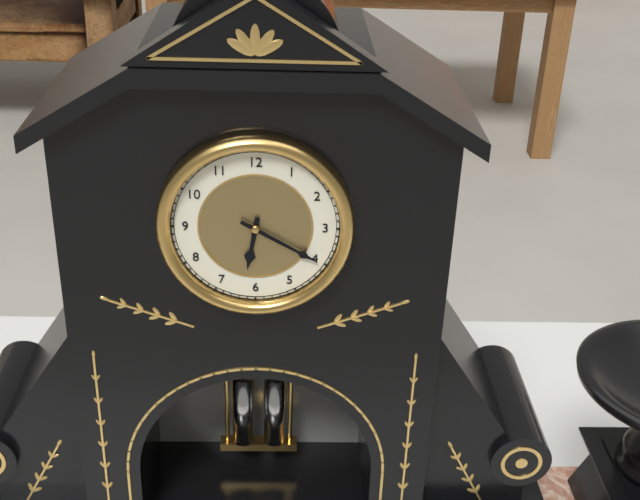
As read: 6.20
